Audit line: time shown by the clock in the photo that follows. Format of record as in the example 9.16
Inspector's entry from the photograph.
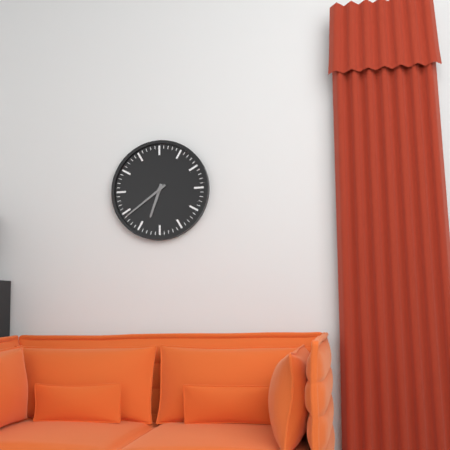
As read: 6.39
